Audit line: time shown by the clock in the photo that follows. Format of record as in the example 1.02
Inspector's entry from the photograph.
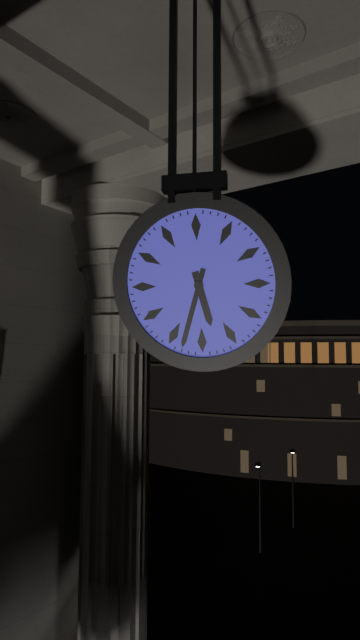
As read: 5.33
